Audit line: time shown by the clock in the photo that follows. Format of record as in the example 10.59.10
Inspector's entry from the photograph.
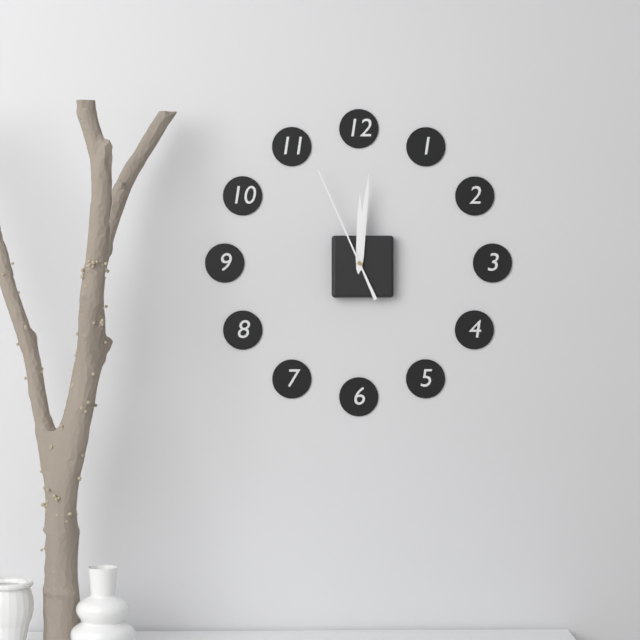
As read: 12.01.56
